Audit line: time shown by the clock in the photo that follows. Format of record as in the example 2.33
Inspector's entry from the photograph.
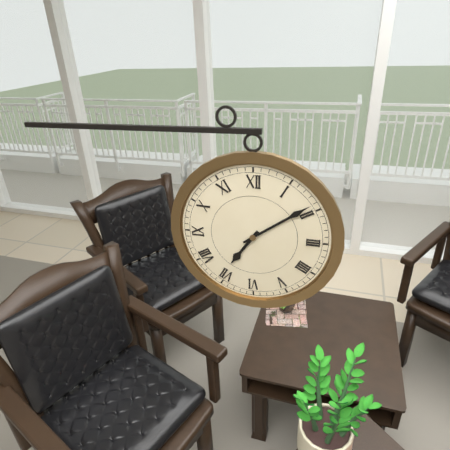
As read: 7.09
